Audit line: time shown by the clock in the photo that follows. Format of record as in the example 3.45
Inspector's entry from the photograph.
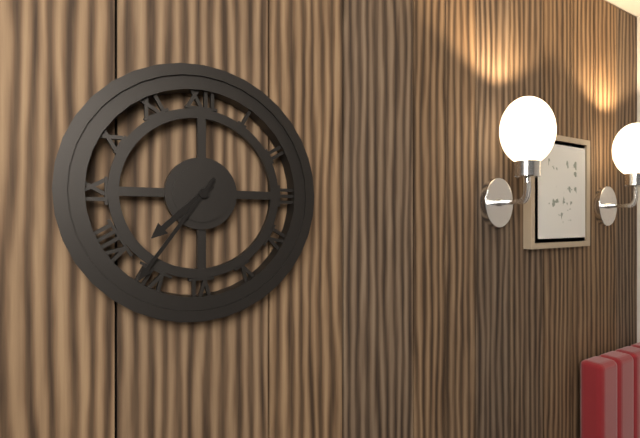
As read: 7.36
